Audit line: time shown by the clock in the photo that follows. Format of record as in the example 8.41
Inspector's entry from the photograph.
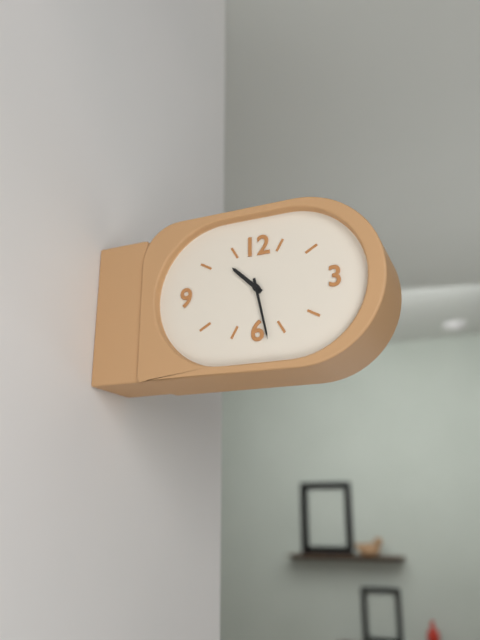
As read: 10.28
